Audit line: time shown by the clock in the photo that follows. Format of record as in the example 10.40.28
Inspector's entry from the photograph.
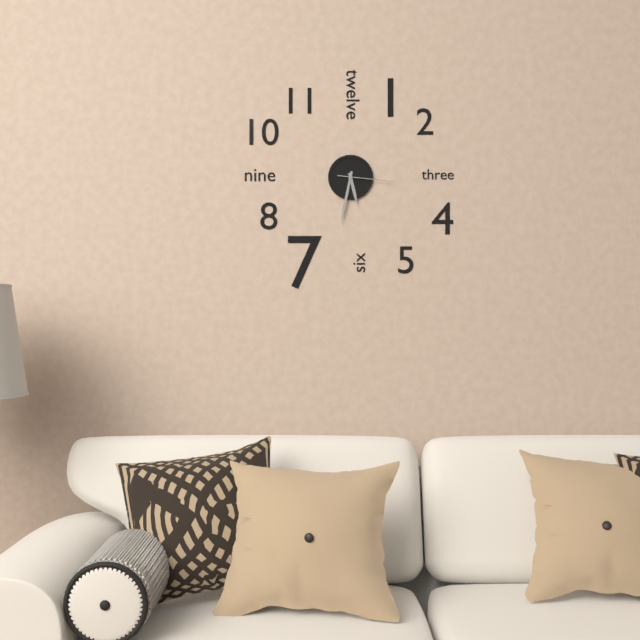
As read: 5.32.16
